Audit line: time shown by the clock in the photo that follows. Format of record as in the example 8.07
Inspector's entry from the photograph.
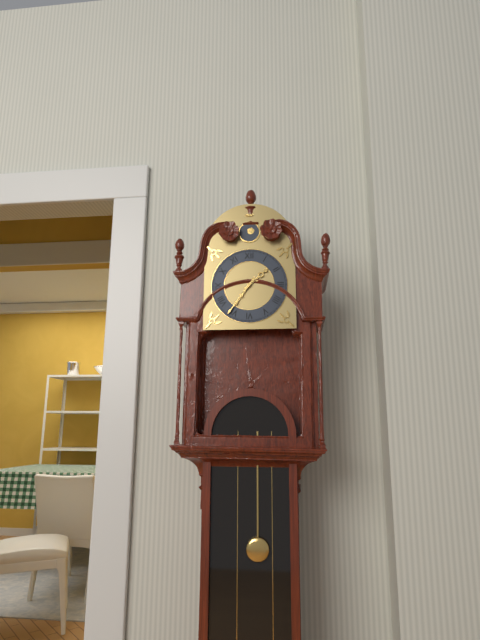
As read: 1.36
